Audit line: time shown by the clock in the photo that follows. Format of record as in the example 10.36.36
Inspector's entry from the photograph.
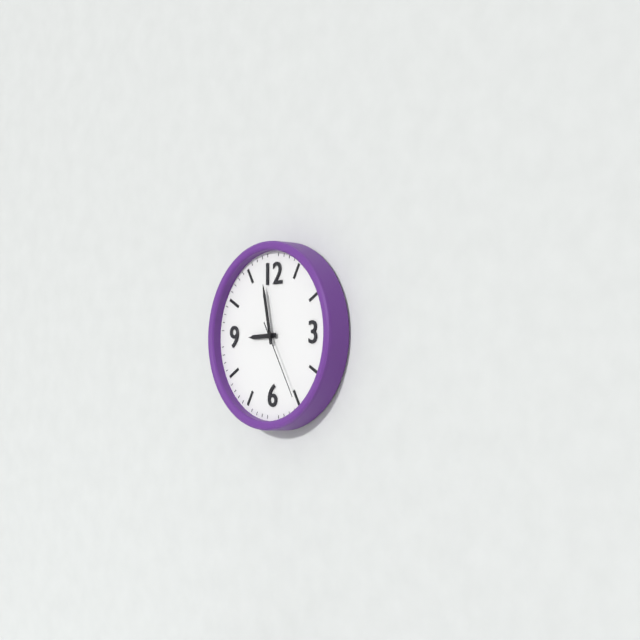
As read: 8.58.25
